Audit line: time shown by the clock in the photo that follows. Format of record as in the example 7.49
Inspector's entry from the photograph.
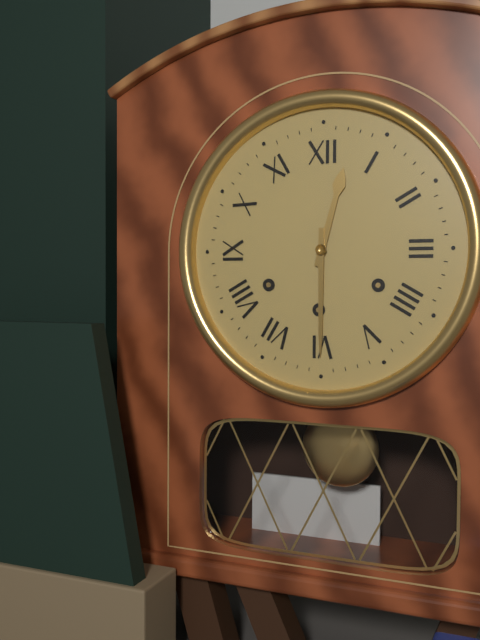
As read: 12.30
